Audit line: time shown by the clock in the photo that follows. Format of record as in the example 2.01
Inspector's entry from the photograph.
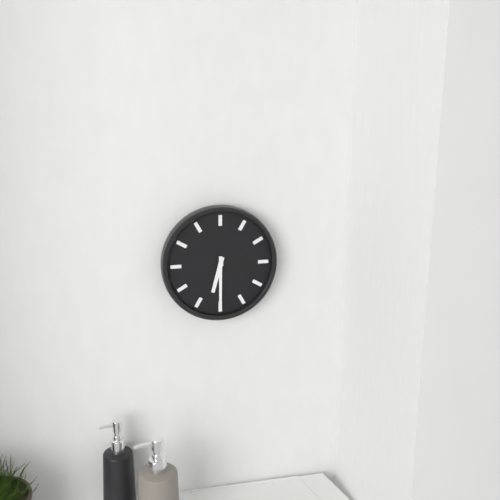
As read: 6.30
